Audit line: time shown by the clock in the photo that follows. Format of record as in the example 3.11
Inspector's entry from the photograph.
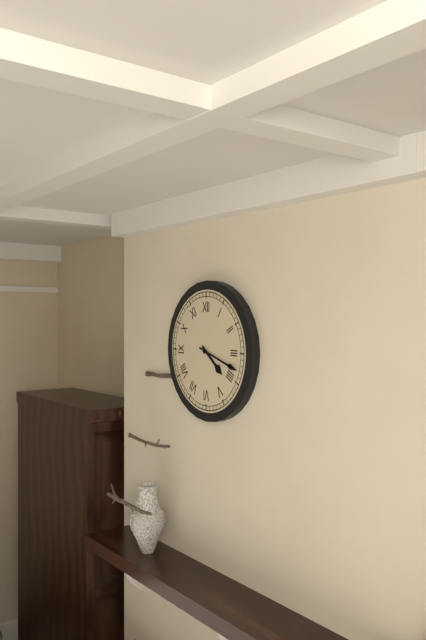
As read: 4.18
